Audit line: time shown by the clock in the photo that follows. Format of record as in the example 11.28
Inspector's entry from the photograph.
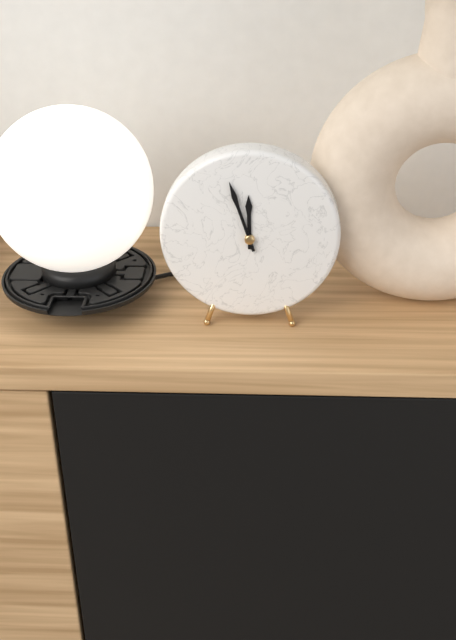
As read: 11.57
